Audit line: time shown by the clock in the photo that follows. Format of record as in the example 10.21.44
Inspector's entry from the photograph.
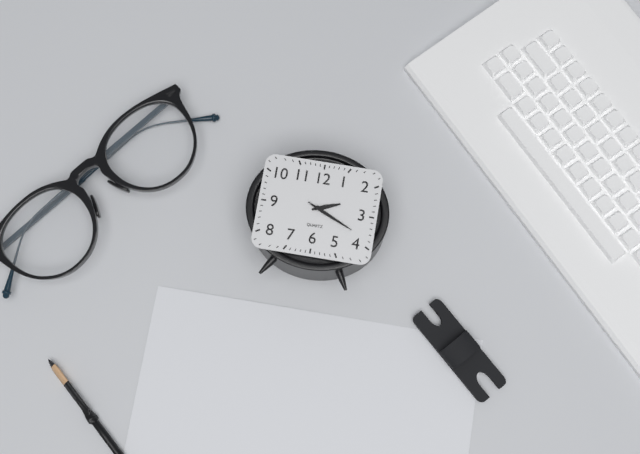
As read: 2.19.19
